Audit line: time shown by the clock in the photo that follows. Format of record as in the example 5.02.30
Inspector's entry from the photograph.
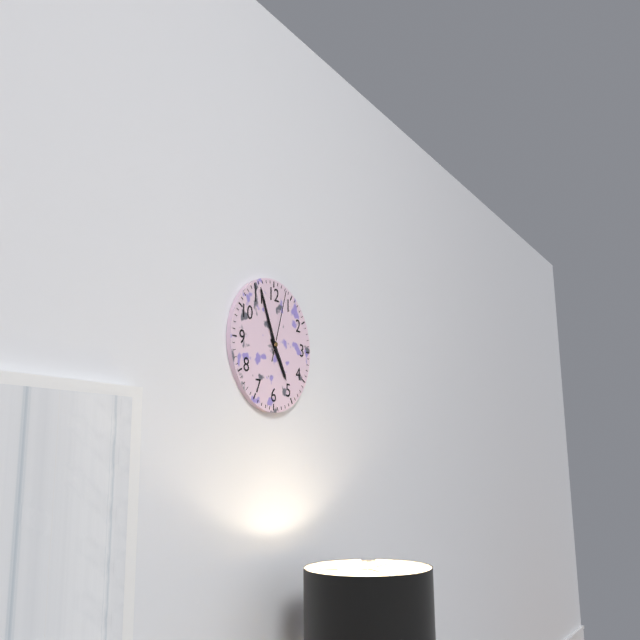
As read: 4.56.03
